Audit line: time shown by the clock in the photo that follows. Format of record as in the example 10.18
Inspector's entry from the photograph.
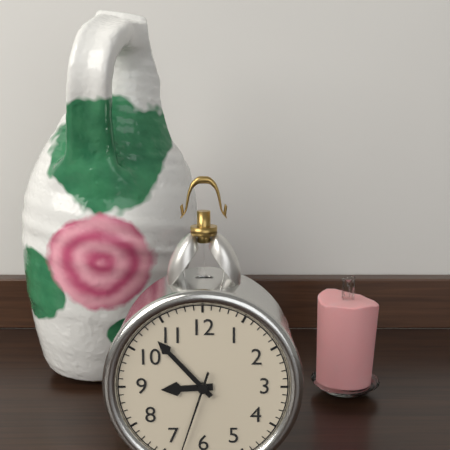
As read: 8.53
